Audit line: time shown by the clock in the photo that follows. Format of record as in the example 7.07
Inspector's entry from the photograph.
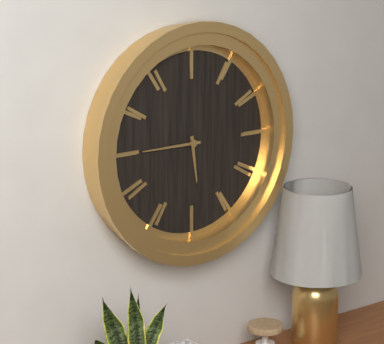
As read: 5.45
